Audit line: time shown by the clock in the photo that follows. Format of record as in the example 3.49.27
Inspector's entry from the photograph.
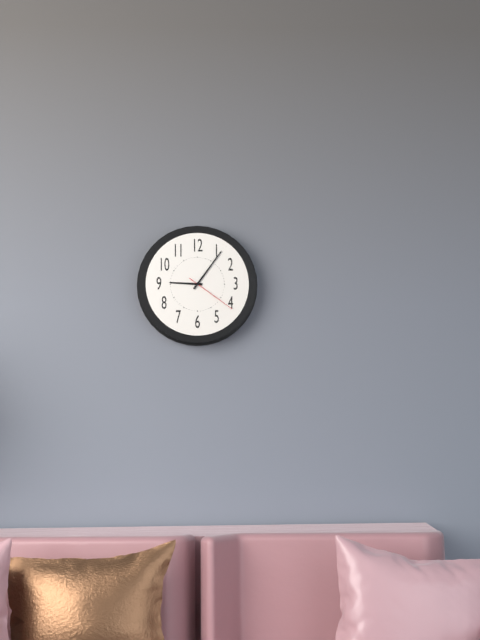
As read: 9.06.21
